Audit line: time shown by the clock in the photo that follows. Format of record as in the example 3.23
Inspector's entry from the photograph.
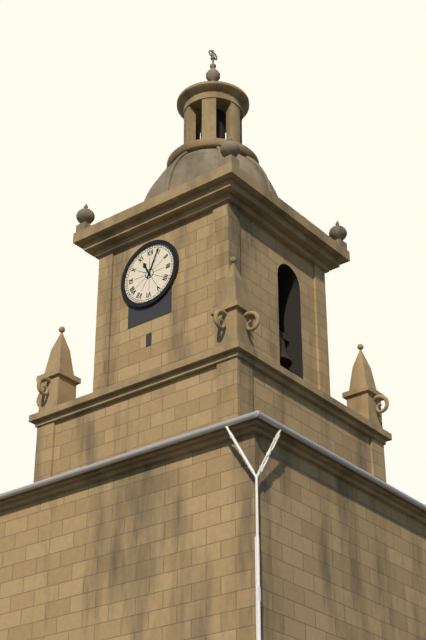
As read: 11.04
